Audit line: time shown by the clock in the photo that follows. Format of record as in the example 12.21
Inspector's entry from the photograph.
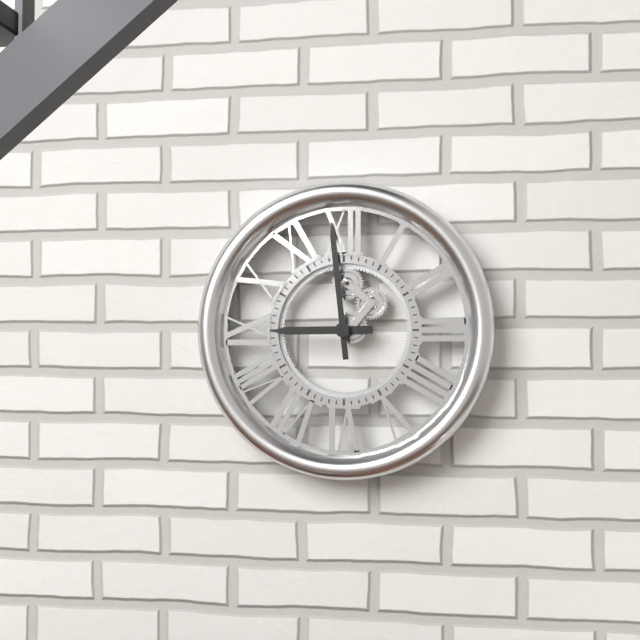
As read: 8.59
